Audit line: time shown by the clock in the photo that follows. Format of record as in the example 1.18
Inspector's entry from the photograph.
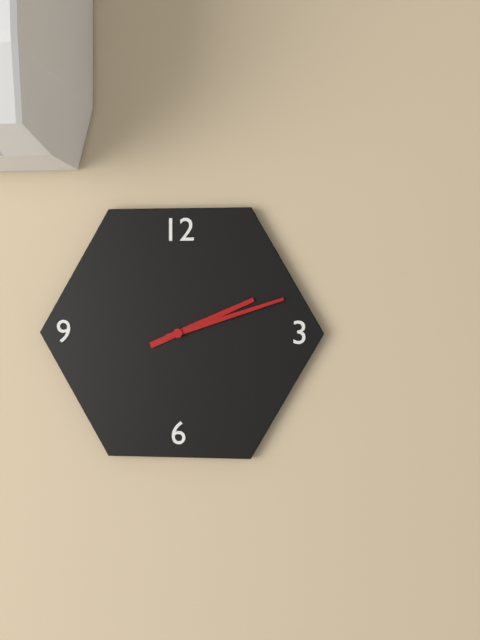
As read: 2.12
